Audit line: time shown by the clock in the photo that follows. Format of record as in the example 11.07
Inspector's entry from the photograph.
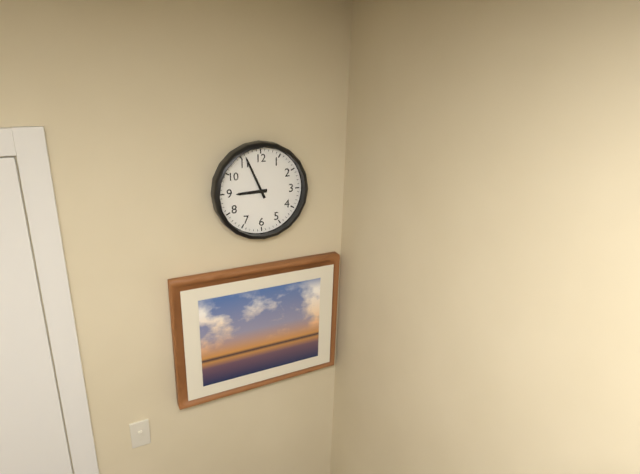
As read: 8.56
